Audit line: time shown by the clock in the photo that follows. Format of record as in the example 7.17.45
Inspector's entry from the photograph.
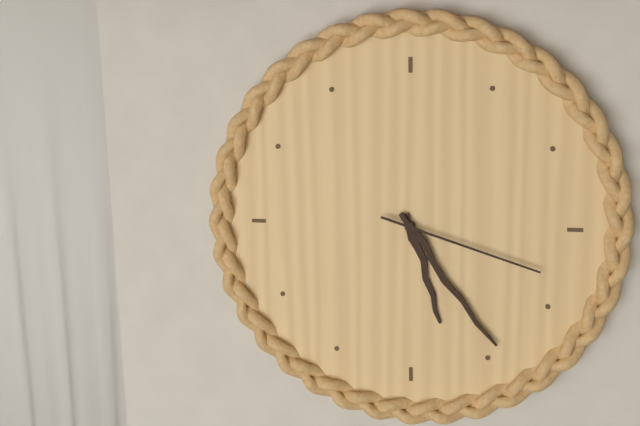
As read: 5.24.18
